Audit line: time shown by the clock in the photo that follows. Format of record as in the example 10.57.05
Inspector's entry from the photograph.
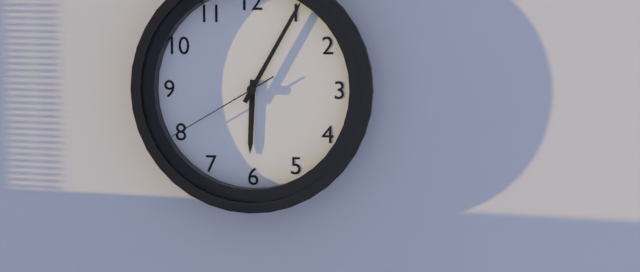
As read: 6.05.40
